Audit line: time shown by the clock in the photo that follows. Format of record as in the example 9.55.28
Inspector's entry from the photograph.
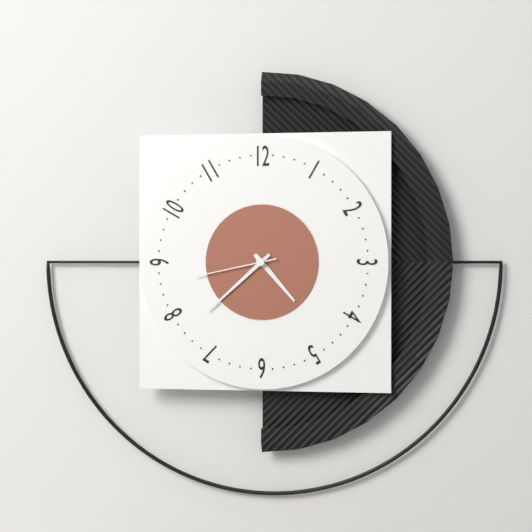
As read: 4.38.43
